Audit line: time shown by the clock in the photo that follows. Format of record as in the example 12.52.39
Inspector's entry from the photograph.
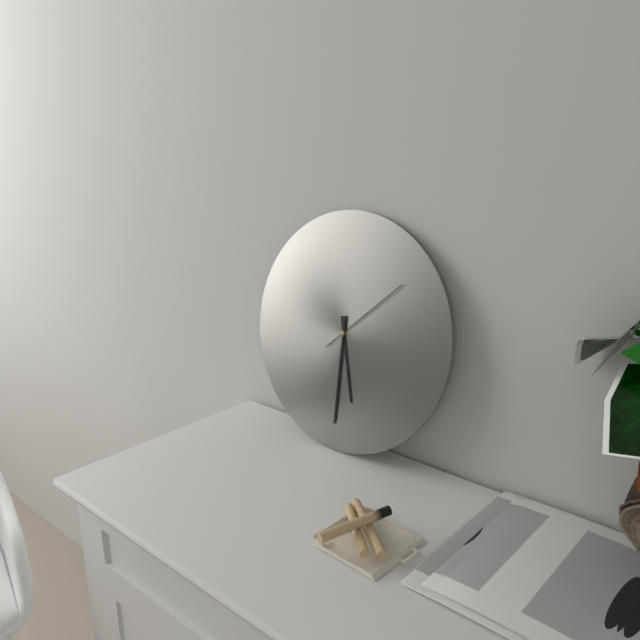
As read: 5.30.08
